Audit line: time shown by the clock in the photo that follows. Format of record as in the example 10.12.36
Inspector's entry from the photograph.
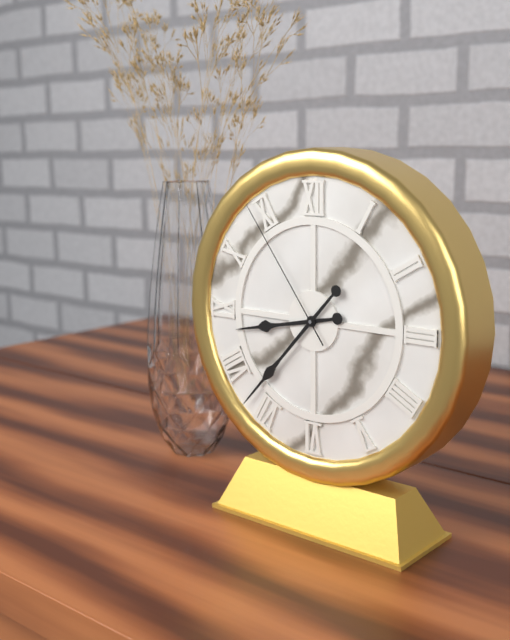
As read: 8.37.54
